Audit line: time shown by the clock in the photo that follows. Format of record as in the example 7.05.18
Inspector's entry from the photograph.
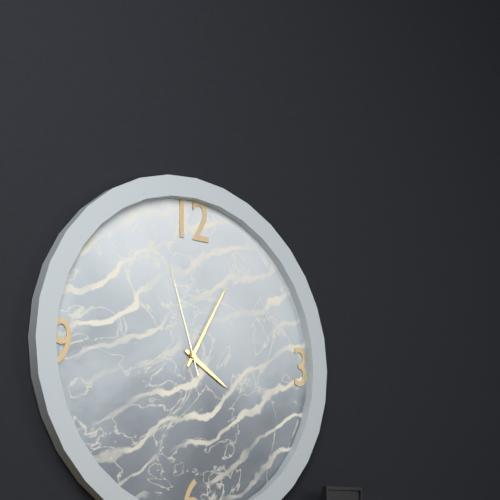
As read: 4.05.57
